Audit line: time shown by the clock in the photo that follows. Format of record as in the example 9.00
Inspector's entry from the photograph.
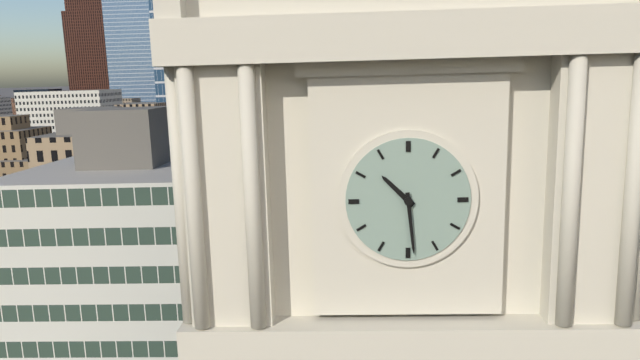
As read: 10.29
